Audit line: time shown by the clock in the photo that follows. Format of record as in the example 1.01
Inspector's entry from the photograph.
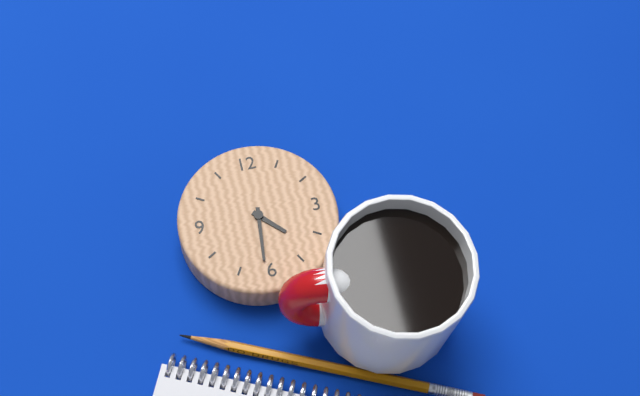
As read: 4.31
